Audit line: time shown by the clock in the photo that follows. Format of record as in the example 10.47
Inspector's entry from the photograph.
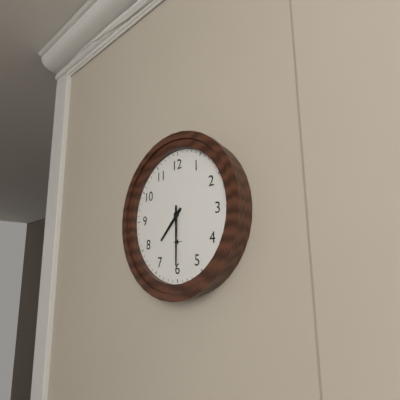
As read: 7.30
